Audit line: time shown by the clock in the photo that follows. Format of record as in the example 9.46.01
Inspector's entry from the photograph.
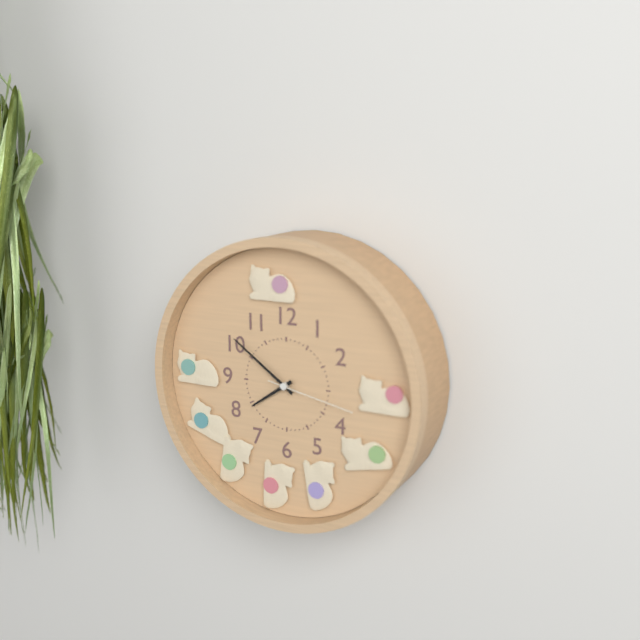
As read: 7.51.17
